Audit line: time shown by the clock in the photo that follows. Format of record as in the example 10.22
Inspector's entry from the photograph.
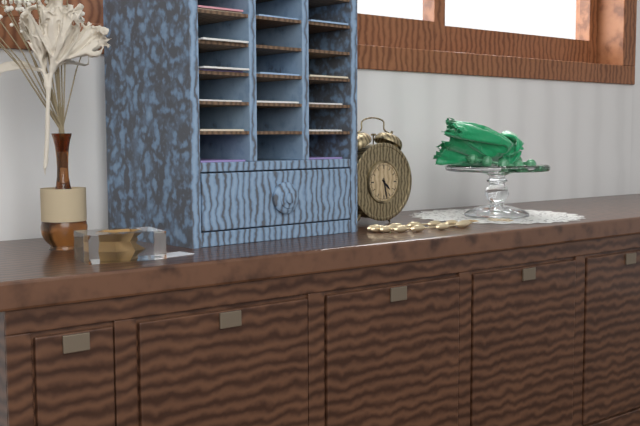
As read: 4.28
